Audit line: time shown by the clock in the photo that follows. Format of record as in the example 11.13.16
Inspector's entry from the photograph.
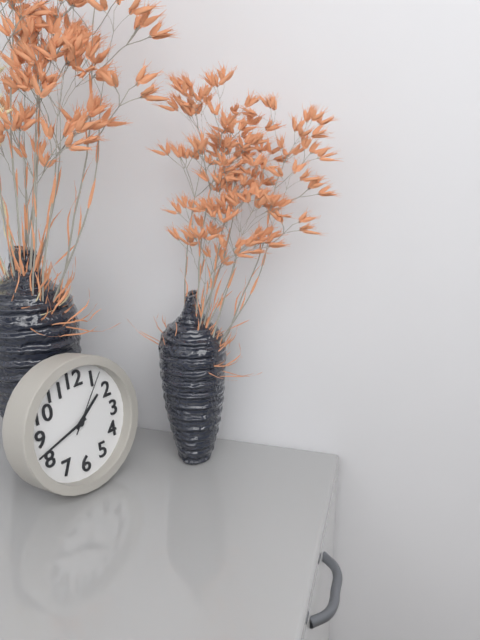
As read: 1.42.06
